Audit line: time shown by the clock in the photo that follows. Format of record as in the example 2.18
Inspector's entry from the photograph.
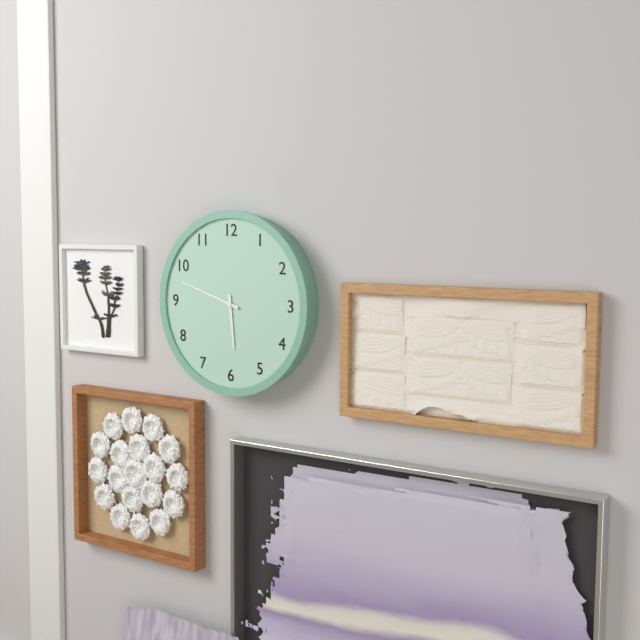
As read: 5.48
